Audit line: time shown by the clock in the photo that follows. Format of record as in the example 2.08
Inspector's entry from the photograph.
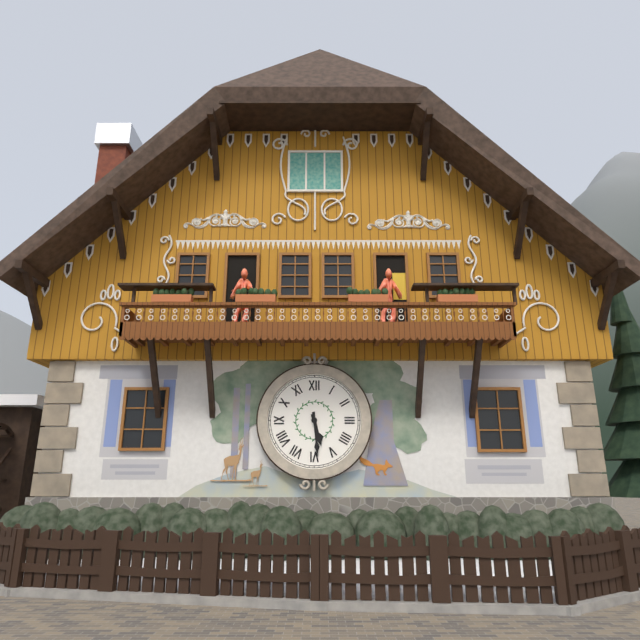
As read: 5.29
